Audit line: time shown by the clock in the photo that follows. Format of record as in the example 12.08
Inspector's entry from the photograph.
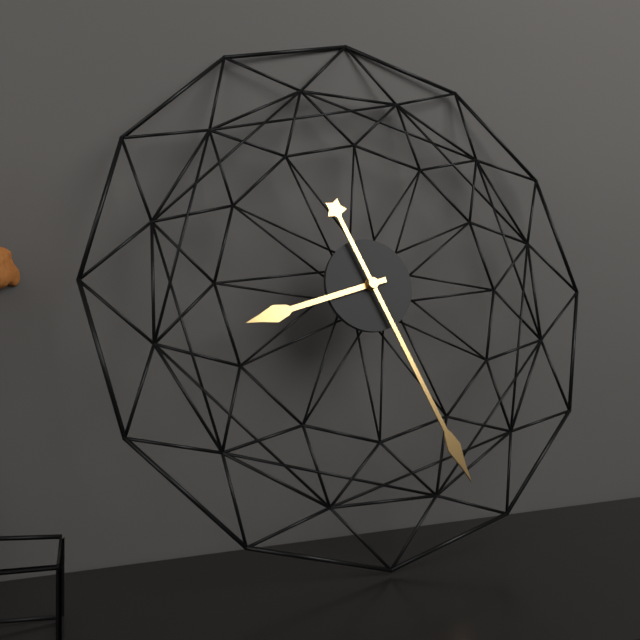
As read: 8.26
